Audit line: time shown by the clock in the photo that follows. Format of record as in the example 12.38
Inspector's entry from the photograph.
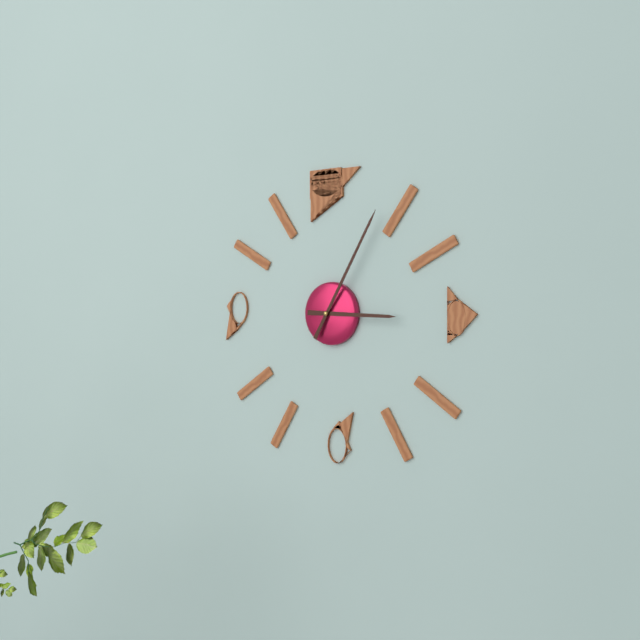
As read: 3.05
